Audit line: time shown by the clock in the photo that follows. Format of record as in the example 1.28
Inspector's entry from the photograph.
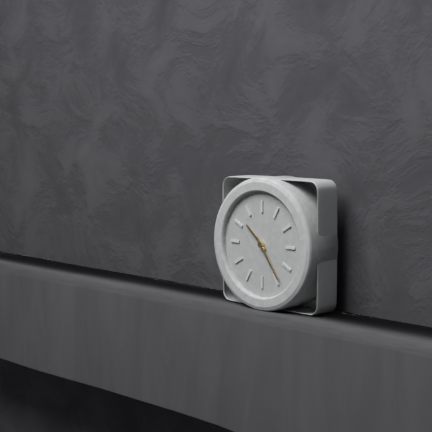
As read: 10.24
